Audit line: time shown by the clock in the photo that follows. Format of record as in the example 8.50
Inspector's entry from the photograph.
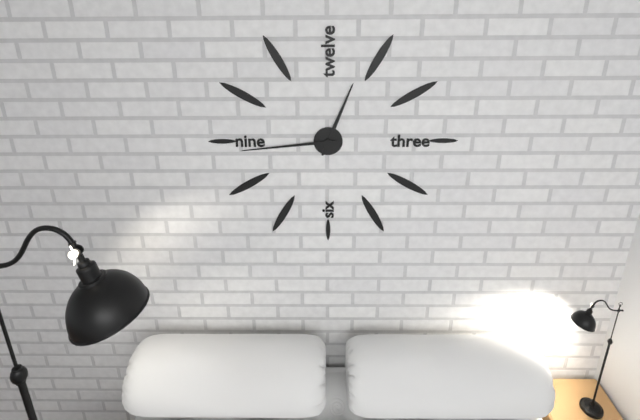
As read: 12.44
